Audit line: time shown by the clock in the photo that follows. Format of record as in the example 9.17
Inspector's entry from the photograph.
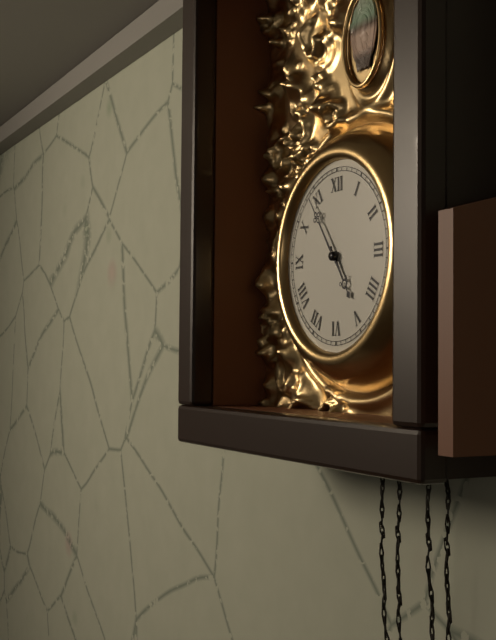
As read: 4.54
